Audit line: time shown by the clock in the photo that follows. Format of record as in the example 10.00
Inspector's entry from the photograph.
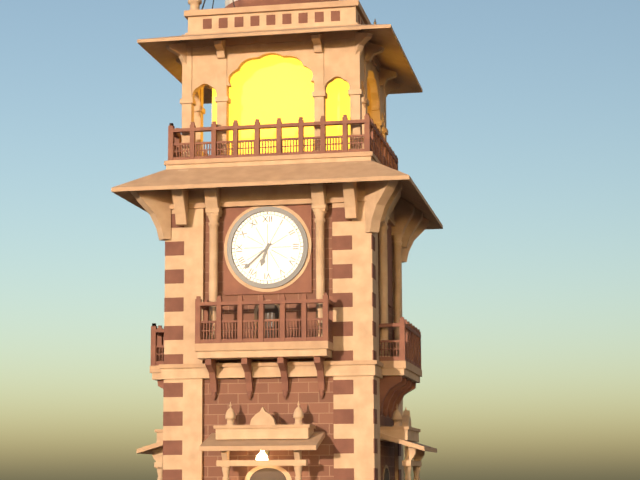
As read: 6.38
